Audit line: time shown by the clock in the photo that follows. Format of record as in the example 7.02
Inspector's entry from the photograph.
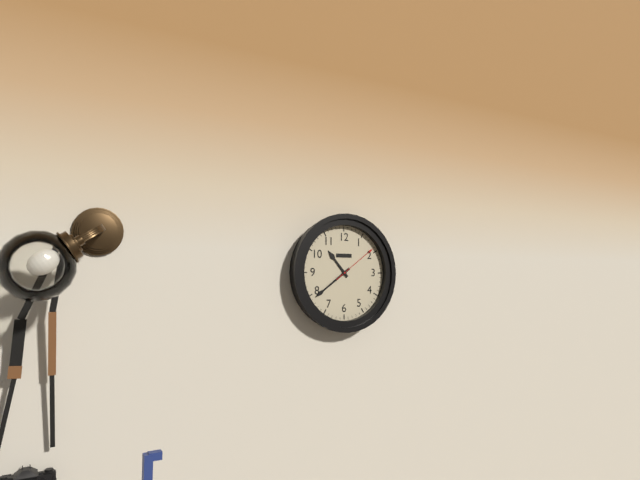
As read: 10.39
